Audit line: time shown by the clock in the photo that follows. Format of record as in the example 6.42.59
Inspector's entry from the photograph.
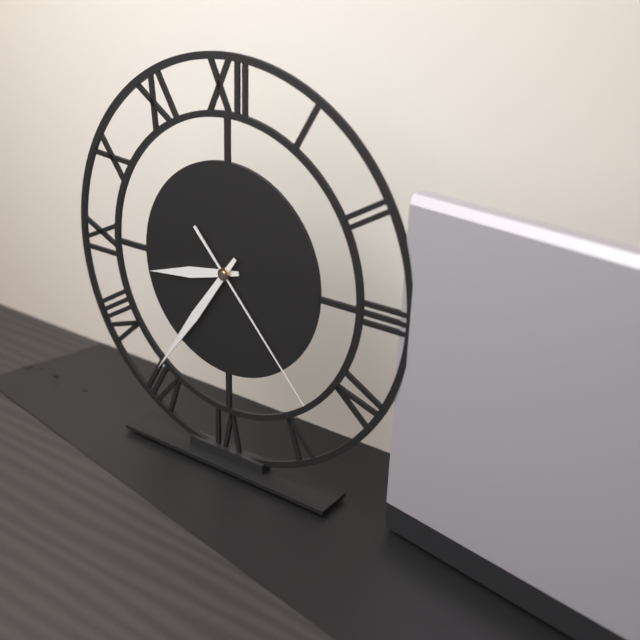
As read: 8.36.23
